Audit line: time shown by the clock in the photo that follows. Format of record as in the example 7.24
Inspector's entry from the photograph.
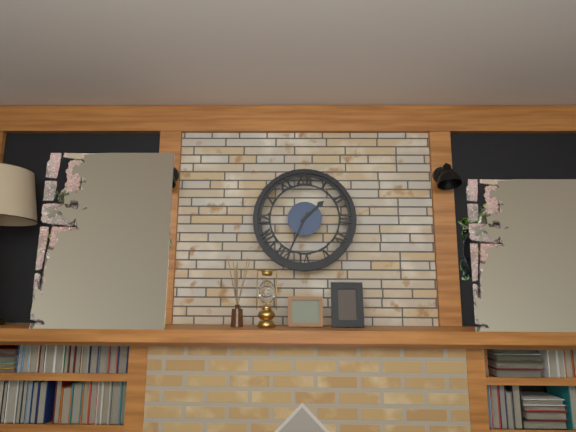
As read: 1.34
